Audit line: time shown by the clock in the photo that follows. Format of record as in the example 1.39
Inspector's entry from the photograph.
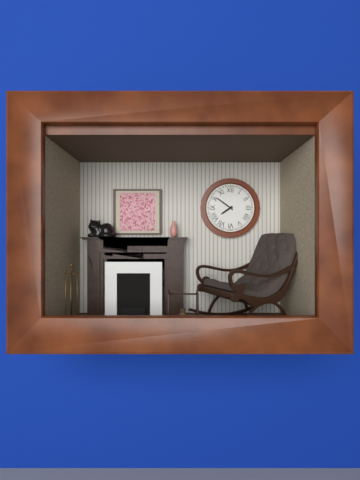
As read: 7.51
